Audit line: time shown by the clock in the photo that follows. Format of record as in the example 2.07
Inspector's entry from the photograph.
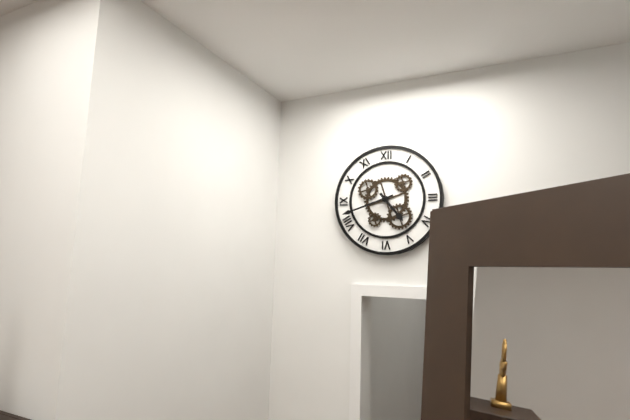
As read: 4.42
